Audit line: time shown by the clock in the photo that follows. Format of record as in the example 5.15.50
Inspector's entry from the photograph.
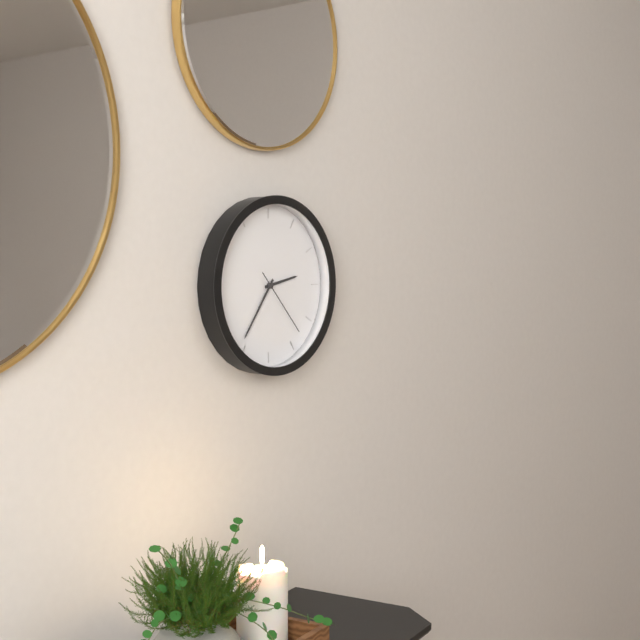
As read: 2.36.23
